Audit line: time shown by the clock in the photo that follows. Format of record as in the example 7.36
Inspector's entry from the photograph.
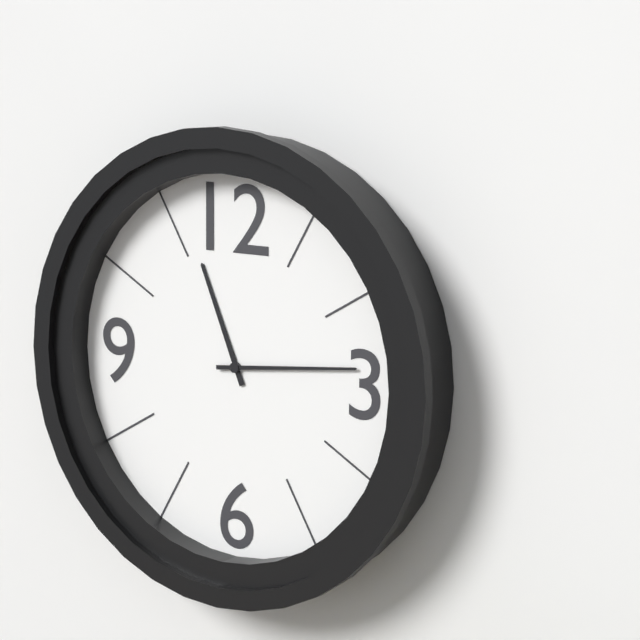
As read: 11.14
